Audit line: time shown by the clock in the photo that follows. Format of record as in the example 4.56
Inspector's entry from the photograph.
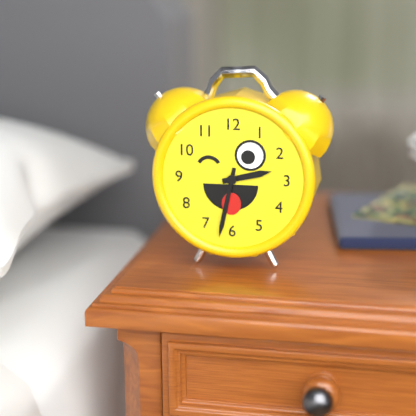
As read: 2.32
